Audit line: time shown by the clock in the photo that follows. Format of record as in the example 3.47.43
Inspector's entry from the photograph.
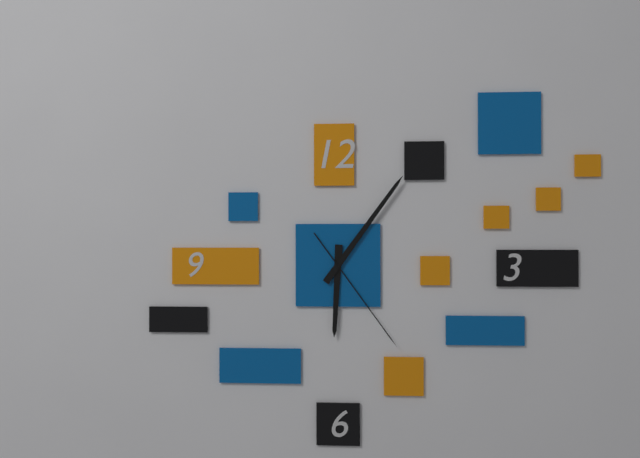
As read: 6.06.24
